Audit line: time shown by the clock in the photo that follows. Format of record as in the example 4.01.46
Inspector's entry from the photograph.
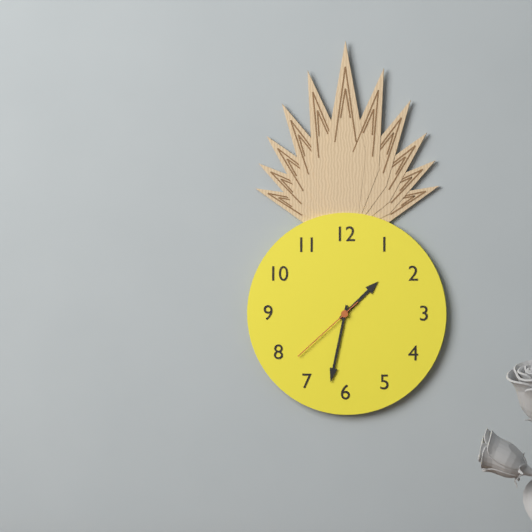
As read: 1.32.38
